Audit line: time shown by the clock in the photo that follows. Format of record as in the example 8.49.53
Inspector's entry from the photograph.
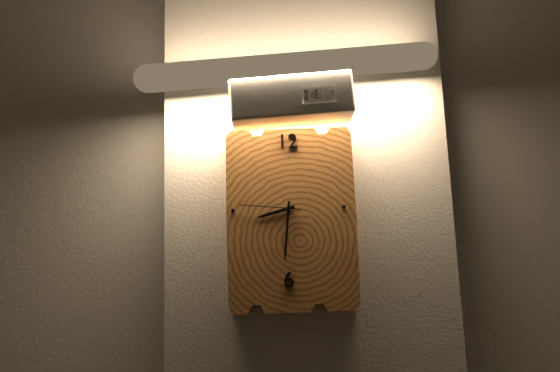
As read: 8.31.46
